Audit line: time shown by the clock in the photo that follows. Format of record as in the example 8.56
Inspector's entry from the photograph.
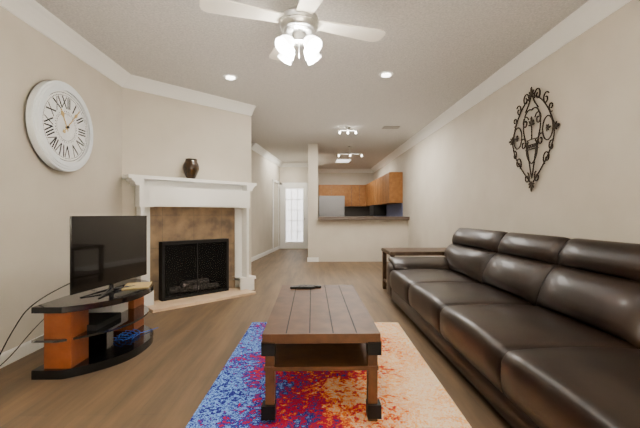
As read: 11.07
